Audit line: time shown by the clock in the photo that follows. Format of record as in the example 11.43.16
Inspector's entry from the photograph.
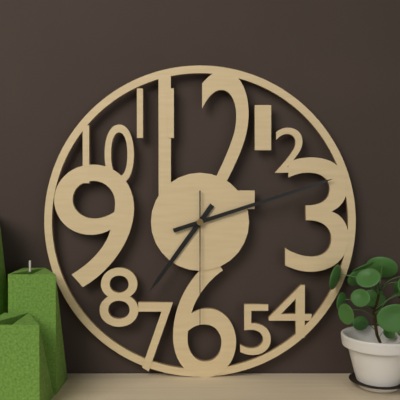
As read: 7.12.30
